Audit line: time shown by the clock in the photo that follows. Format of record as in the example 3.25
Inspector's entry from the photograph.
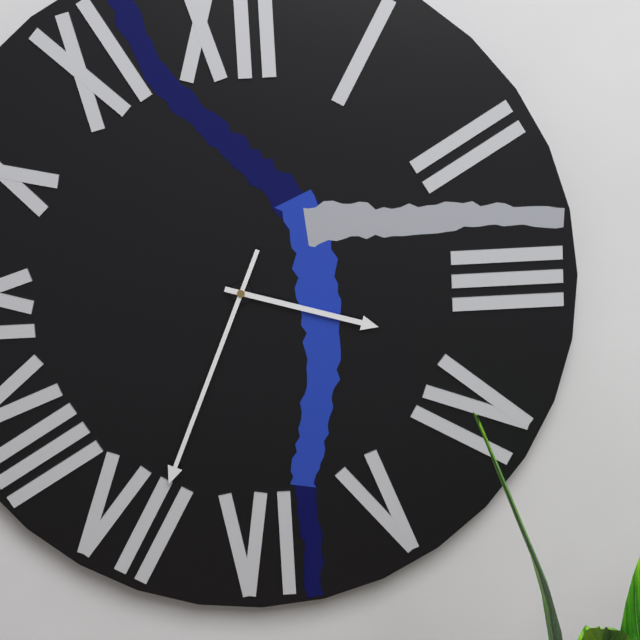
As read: 3.34
